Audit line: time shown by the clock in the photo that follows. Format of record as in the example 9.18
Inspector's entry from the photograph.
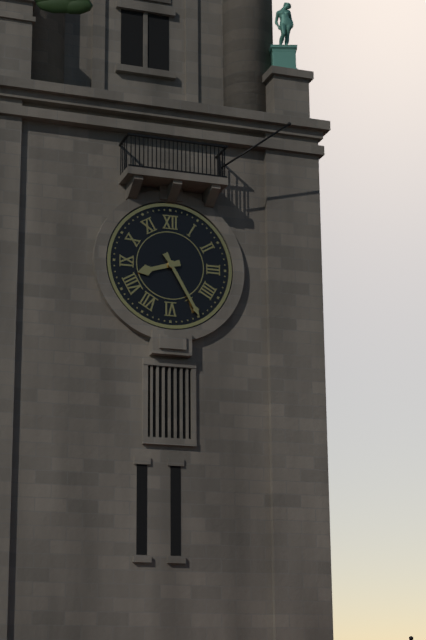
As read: 8.25
